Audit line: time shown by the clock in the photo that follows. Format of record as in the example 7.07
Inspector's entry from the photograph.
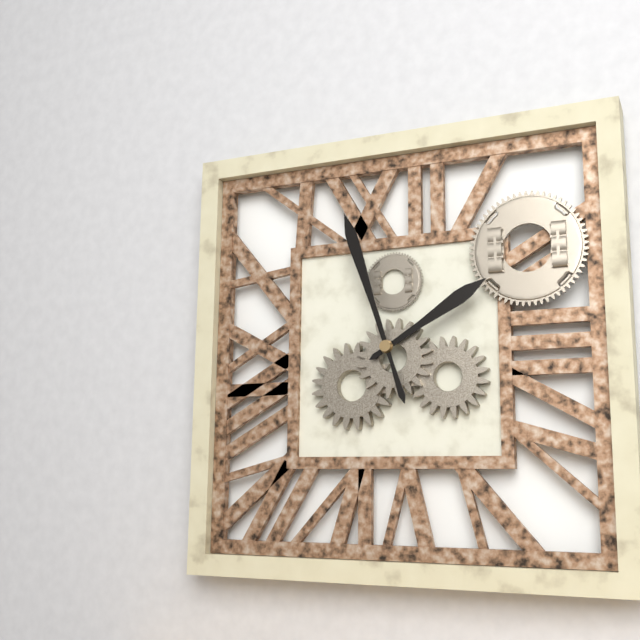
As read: 1.57
